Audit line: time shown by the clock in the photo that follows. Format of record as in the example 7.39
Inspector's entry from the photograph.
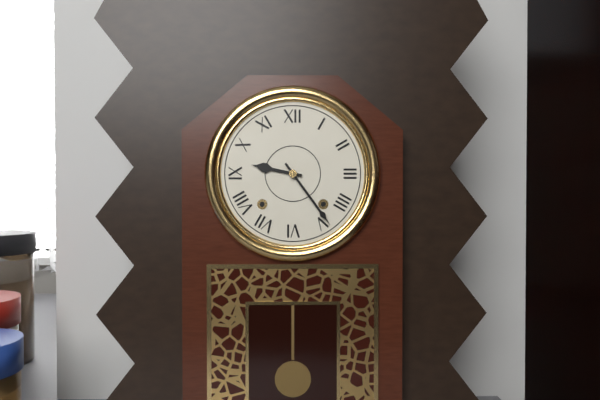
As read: 9.24
